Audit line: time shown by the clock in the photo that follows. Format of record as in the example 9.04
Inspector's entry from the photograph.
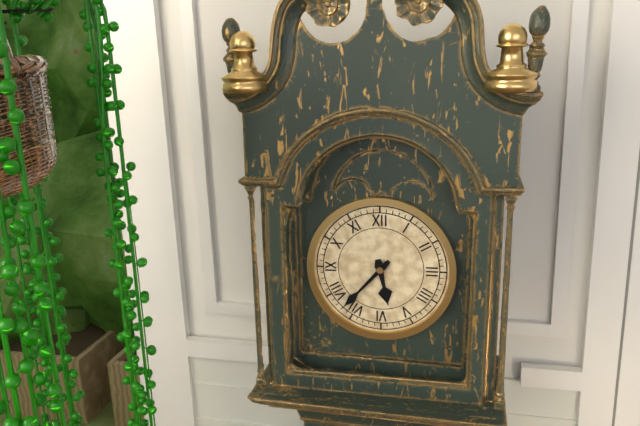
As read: 5.37
